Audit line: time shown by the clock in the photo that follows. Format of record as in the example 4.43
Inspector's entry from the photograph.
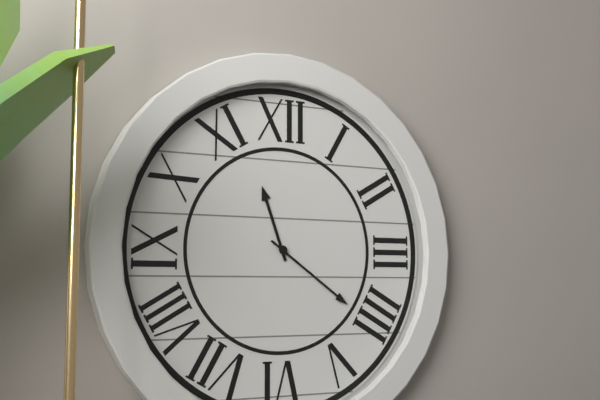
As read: 11.21
